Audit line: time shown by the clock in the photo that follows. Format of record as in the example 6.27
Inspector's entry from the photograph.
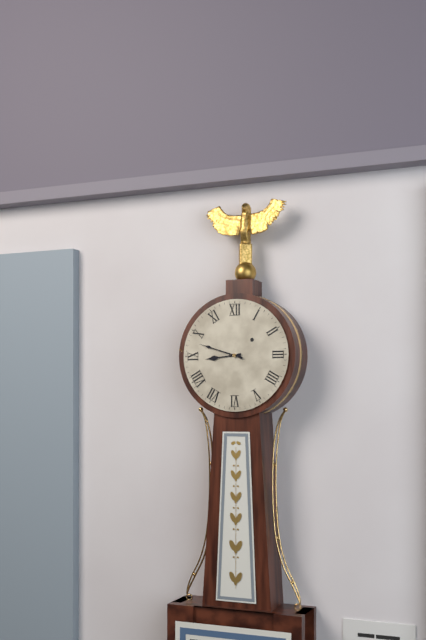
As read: 8.48
